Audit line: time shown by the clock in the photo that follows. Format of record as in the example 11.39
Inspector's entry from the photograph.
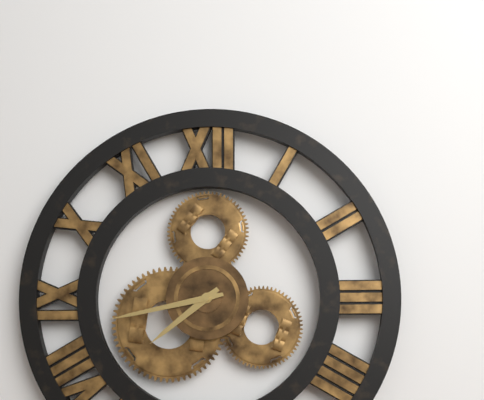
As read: 7.43
